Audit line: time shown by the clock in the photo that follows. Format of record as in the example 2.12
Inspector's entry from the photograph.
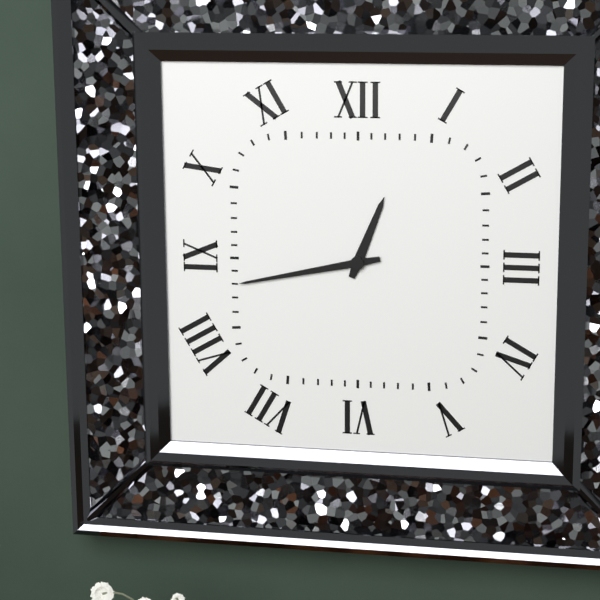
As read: 12.43
